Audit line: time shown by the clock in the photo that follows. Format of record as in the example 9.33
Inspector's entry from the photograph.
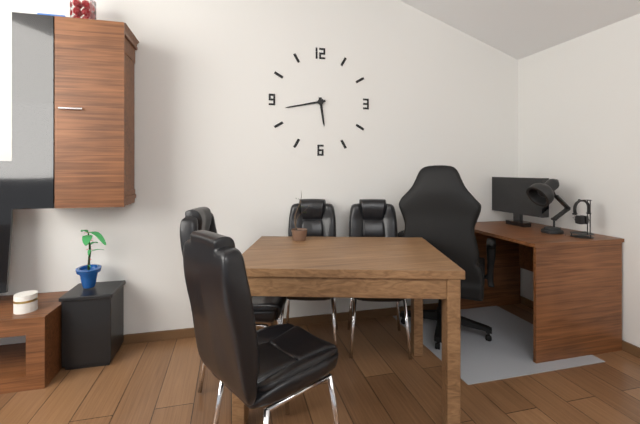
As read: 5.43
